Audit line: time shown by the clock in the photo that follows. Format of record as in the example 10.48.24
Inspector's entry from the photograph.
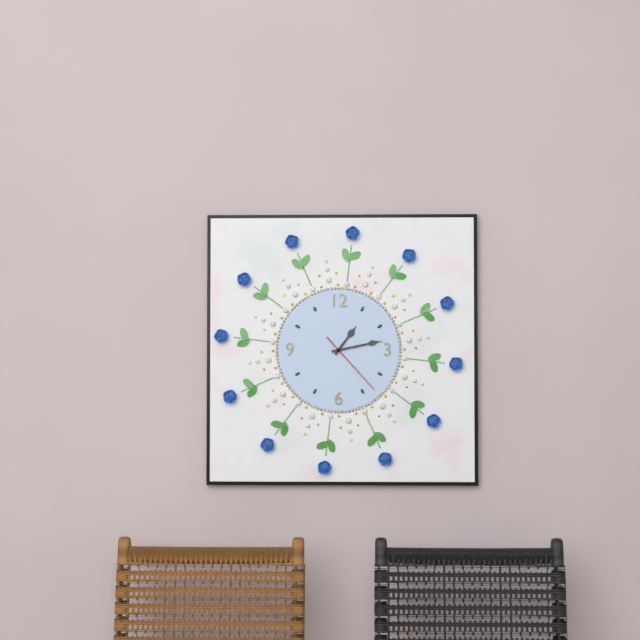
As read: 1.13.23
